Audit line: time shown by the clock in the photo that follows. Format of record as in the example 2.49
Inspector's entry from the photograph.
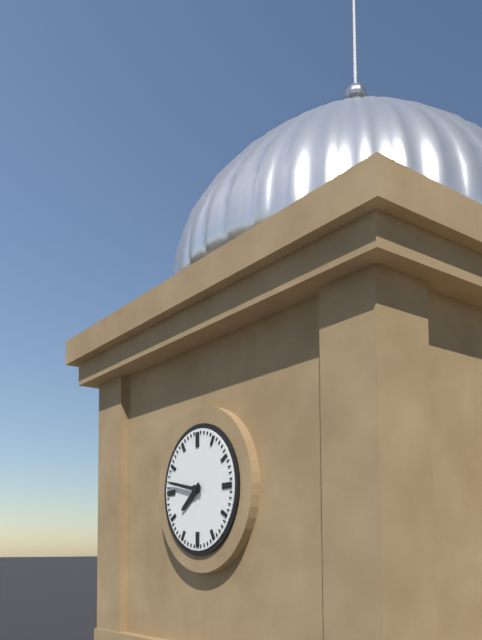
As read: 7.47
